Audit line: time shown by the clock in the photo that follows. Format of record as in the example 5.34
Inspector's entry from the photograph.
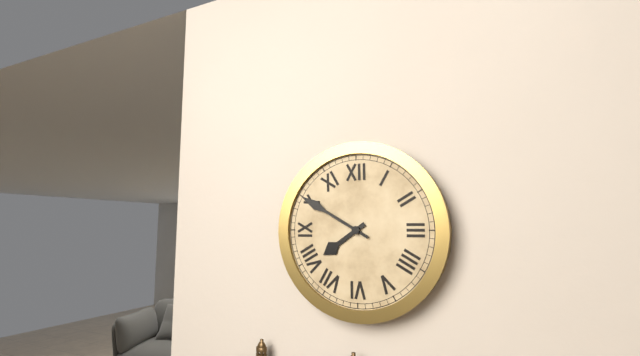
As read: 7.50
